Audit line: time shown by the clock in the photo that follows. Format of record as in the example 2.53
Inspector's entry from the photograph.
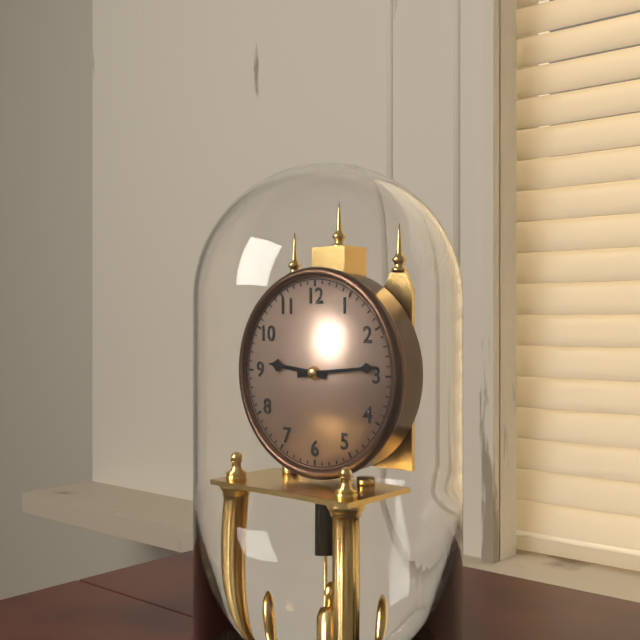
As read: 9.14
